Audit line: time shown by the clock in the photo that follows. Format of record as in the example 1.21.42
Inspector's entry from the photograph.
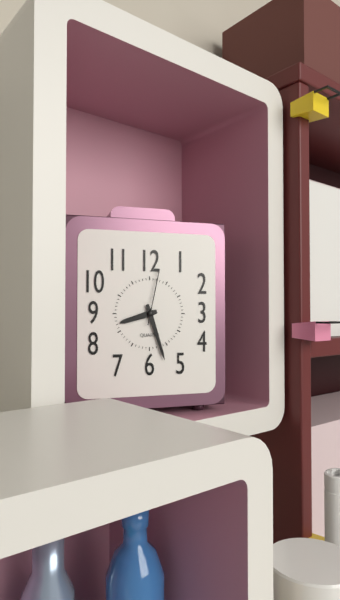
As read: 8.27.02
